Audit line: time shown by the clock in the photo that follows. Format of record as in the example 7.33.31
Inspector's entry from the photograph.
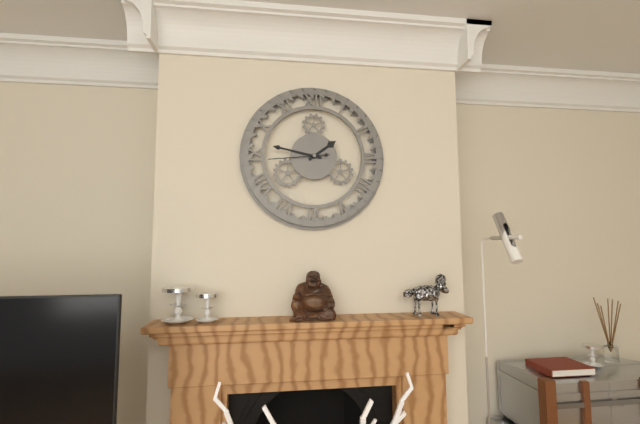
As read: 1.47.44
